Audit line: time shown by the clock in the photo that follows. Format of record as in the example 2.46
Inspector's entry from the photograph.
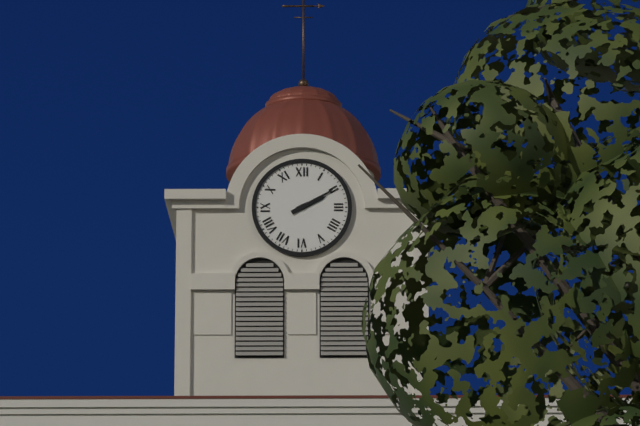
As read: 2.10
